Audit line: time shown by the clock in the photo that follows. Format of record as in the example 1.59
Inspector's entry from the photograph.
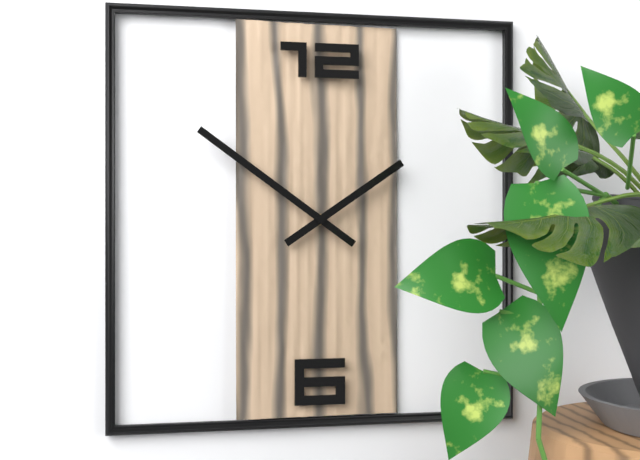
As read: 1.51
